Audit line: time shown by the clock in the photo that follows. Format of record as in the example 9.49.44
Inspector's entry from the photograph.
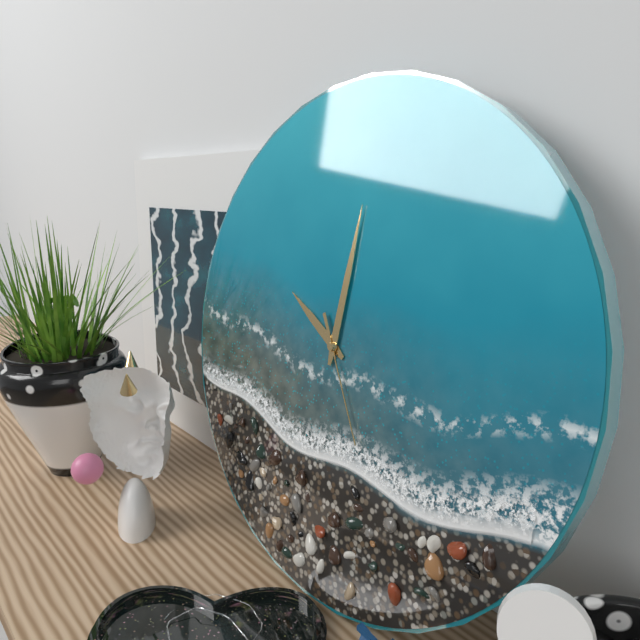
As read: 10.01.25
